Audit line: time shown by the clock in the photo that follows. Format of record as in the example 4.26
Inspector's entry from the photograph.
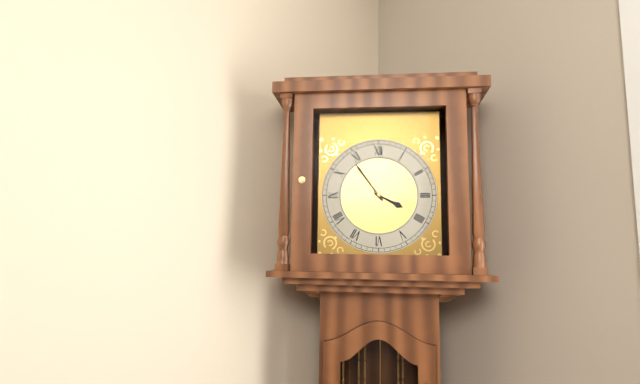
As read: 3.54
